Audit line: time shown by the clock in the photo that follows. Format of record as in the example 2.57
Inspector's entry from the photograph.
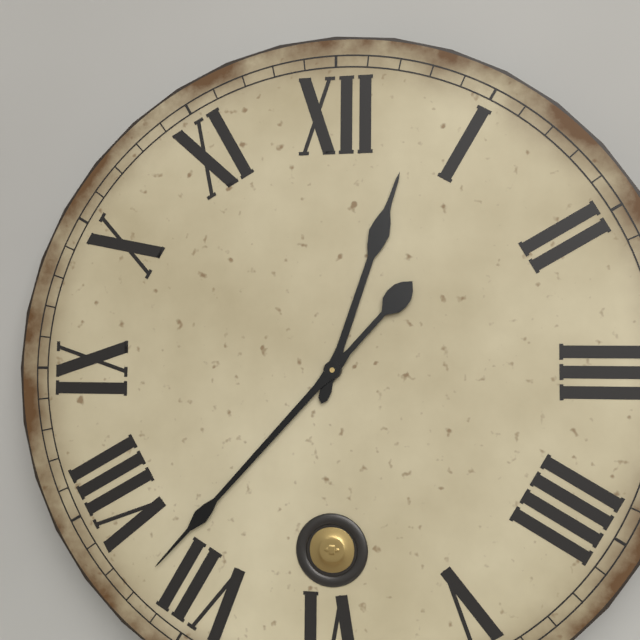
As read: 12.37
